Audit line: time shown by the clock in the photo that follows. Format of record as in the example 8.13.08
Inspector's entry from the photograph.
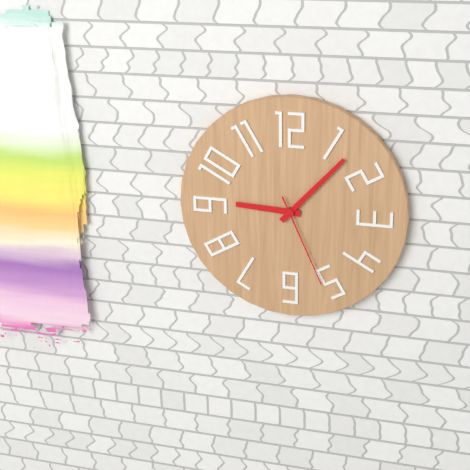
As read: 9.07.26
